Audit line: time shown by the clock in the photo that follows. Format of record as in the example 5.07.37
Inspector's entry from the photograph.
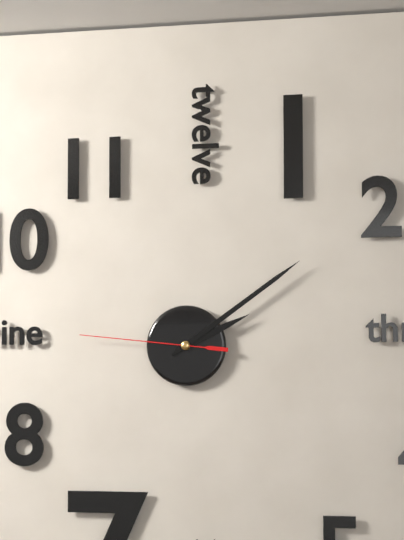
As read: 2.09.46
